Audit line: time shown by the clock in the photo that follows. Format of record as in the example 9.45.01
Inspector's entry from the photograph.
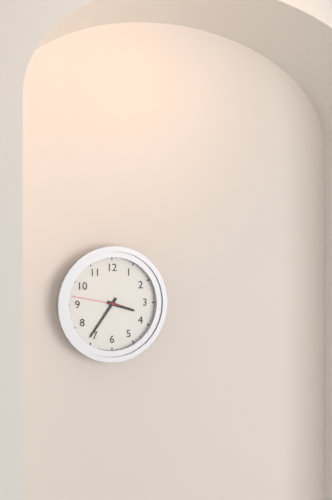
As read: 3.36.47
